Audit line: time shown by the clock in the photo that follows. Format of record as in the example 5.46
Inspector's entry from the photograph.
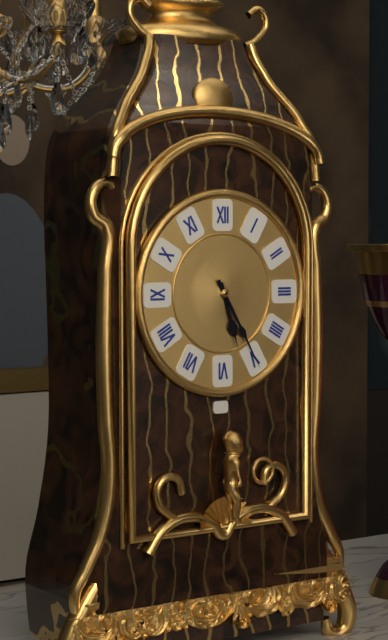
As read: 5.25
